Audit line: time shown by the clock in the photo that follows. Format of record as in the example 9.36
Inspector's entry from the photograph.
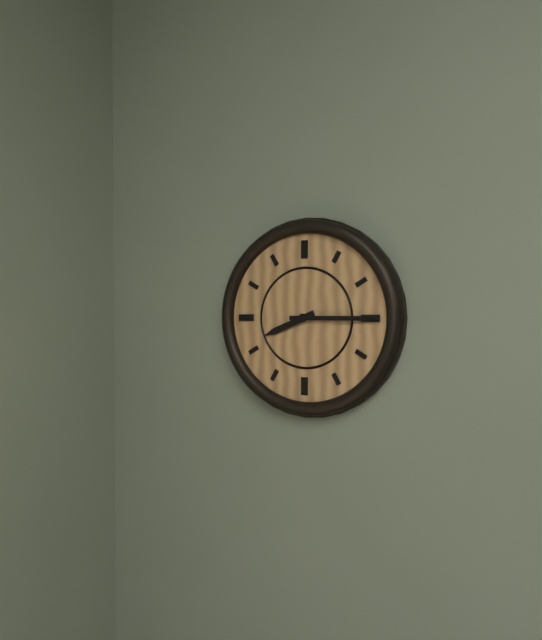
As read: 8.15
